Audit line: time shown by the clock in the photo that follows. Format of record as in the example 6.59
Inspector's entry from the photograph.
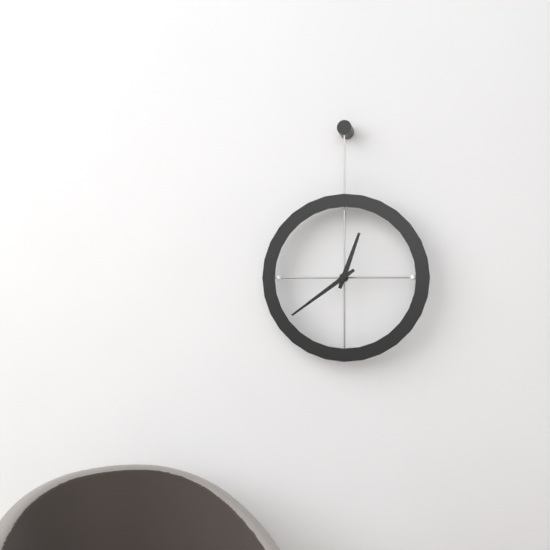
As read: 12.39
